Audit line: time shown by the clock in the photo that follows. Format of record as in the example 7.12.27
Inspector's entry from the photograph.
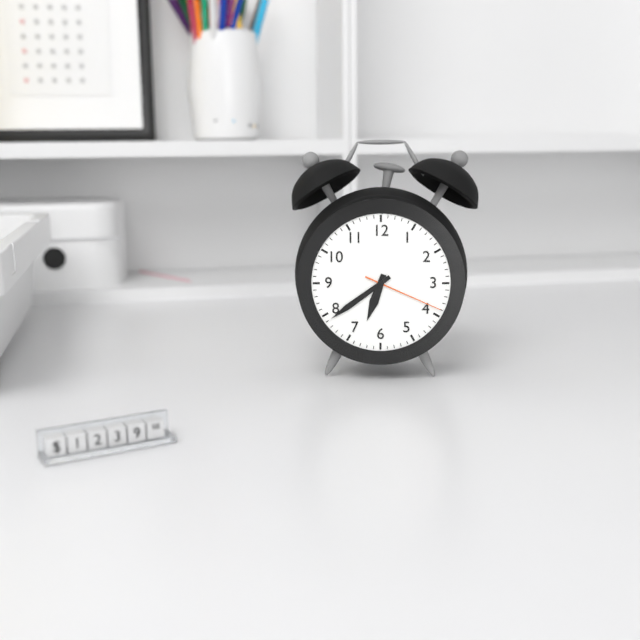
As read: 6.39.19
